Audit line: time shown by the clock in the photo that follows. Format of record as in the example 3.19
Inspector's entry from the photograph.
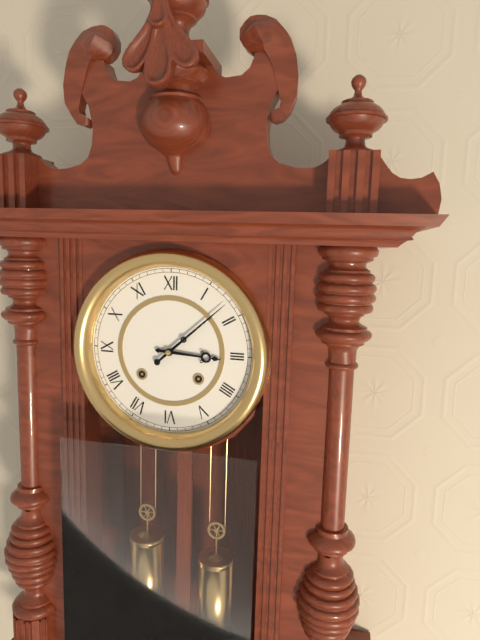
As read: 3.08
